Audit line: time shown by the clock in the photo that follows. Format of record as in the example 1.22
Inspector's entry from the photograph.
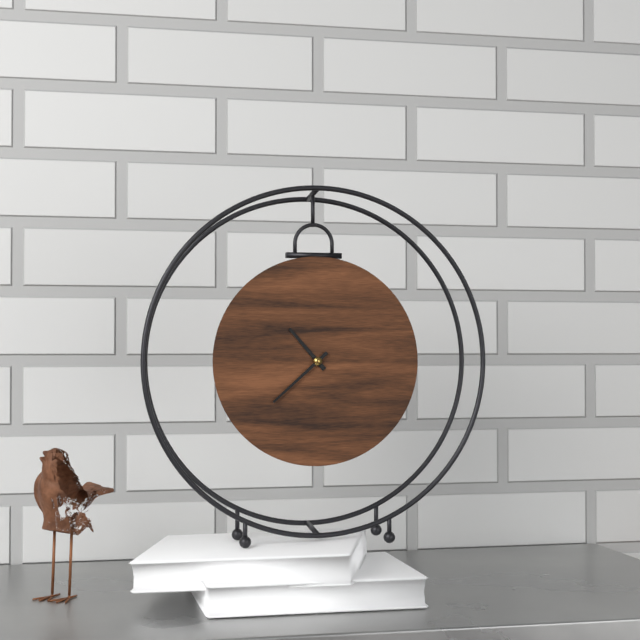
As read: 10.38
